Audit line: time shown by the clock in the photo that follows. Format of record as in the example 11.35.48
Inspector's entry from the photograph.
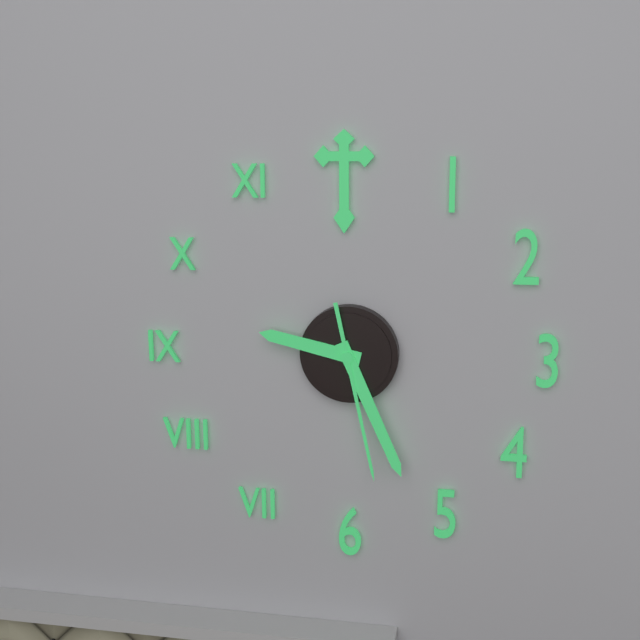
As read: 9.26.28
